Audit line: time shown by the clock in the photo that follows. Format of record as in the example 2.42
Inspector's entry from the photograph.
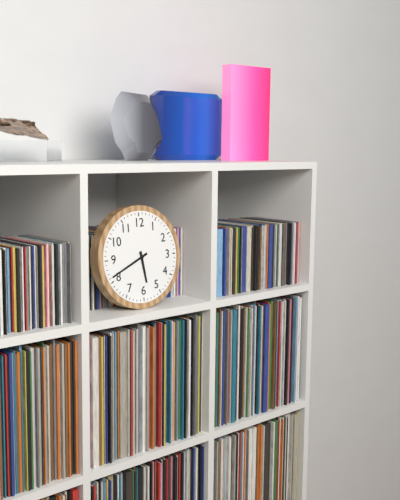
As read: 5.41
